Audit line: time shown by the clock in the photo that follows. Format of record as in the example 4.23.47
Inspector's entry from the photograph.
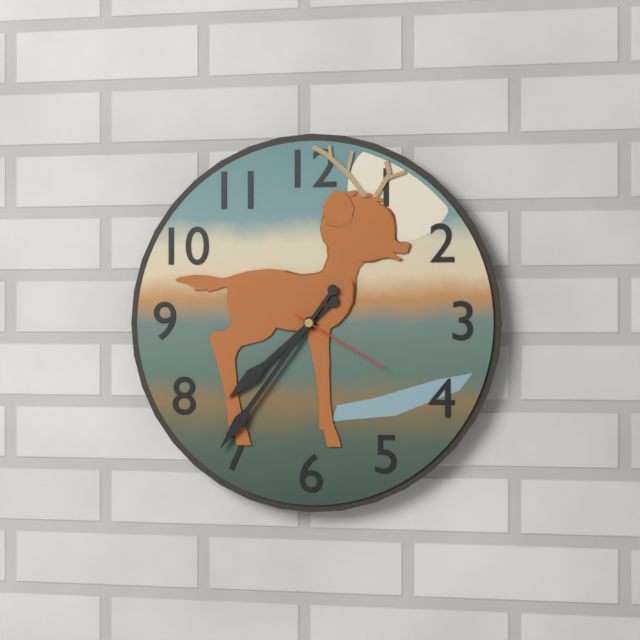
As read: 7.36.20
